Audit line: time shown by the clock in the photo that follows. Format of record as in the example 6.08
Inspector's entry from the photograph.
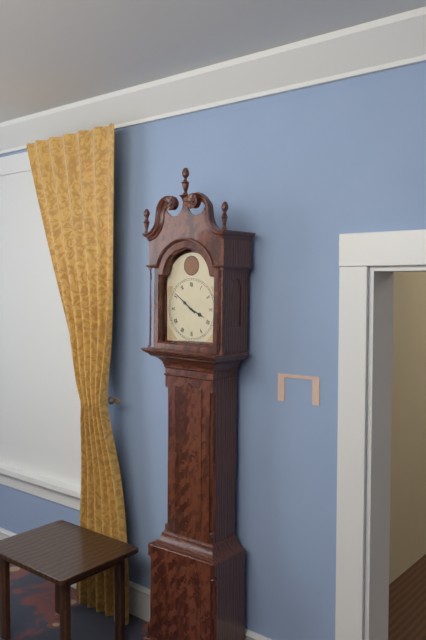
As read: 3.51
